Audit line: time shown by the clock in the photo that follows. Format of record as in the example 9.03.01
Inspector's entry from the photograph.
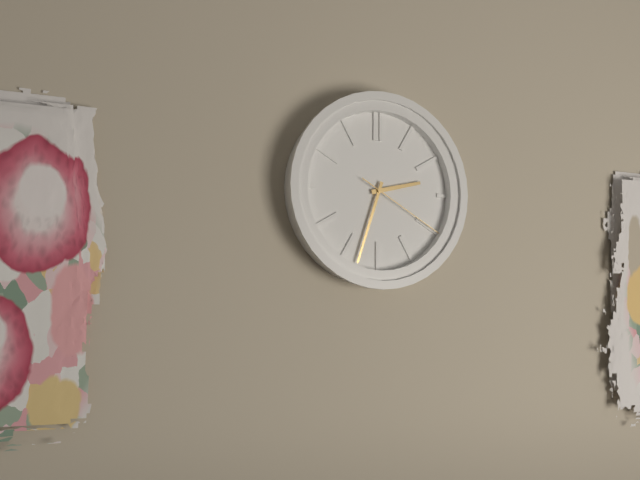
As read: 2.33.20
